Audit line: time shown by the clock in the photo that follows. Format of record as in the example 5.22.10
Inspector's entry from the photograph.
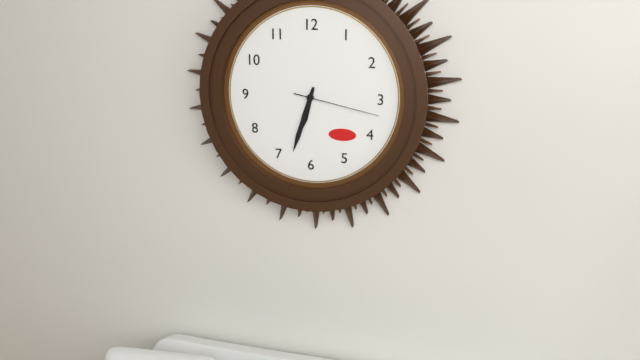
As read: 6.33.17
